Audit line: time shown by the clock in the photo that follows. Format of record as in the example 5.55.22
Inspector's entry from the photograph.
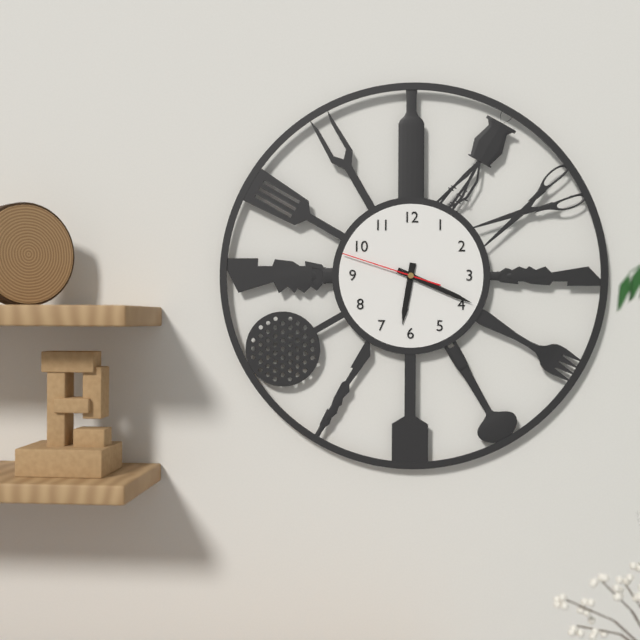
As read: 6.19.48
